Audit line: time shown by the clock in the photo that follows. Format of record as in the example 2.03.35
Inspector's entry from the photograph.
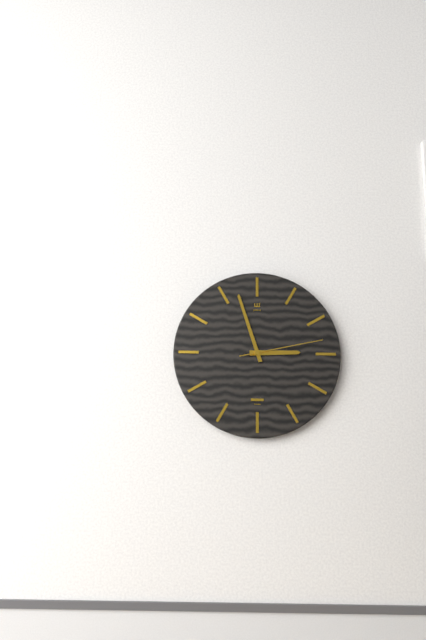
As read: 2.57.13
